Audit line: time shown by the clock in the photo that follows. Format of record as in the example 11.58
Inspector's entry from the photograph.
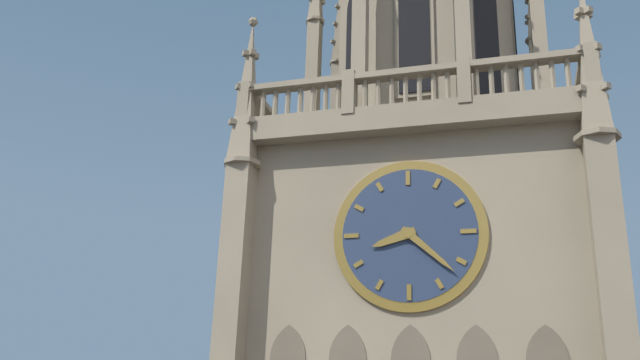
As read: 8.22
